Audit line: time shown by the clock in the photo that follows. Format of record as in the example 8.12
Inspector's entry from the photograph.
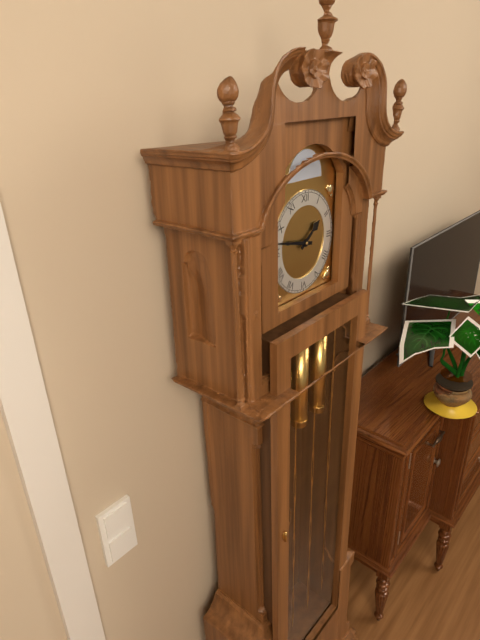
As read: 1.47
